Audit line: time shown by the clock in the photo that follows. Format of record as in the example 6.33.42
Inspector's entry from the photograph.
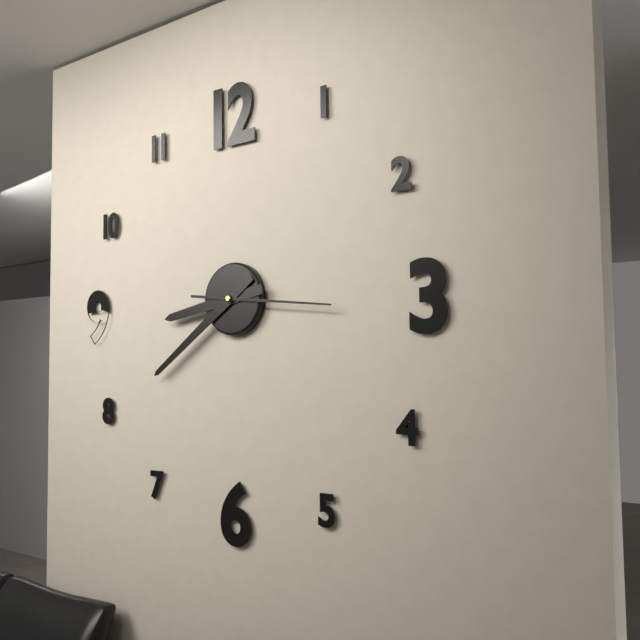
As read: 8.39.16
